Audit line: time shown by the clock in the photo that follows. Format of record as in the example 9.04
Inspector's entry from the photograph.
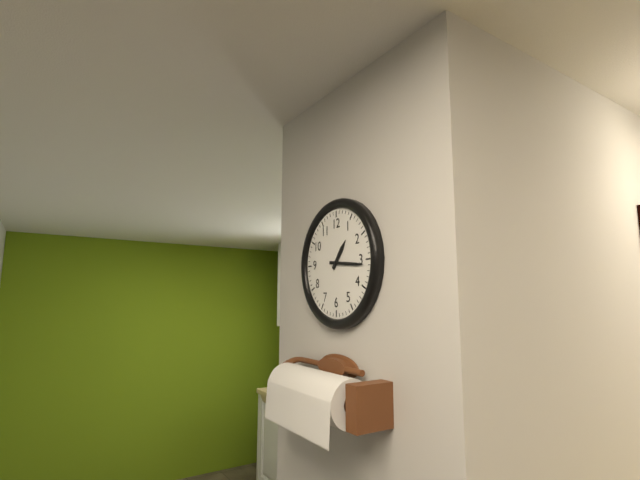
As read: 1.16
